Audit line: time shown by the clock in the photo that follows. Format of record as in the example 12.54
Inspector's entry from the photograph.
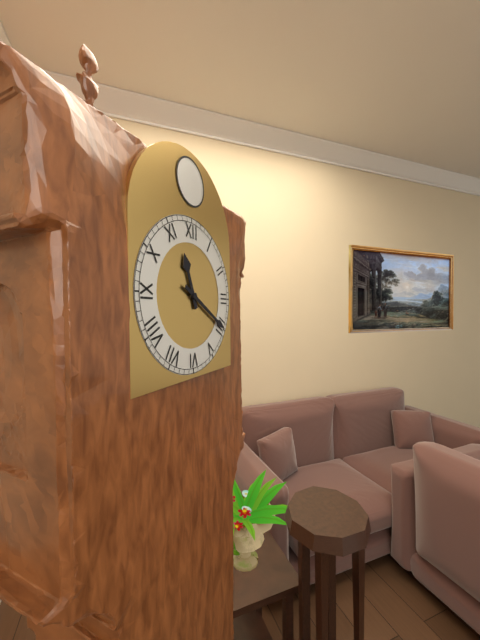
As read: 11.20
